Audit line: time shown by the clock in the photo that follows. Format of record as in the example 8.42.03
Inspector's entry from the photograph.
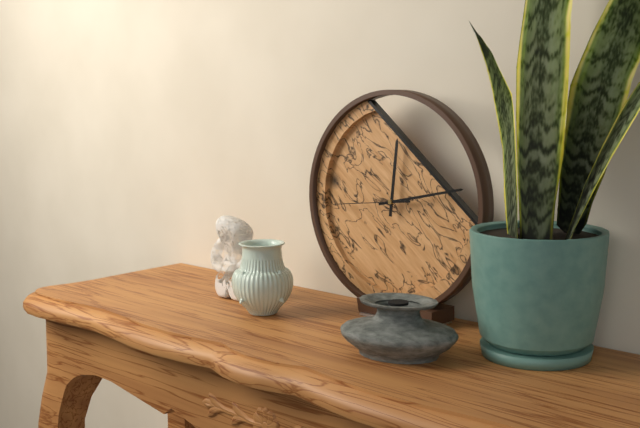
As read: 12.13.44
